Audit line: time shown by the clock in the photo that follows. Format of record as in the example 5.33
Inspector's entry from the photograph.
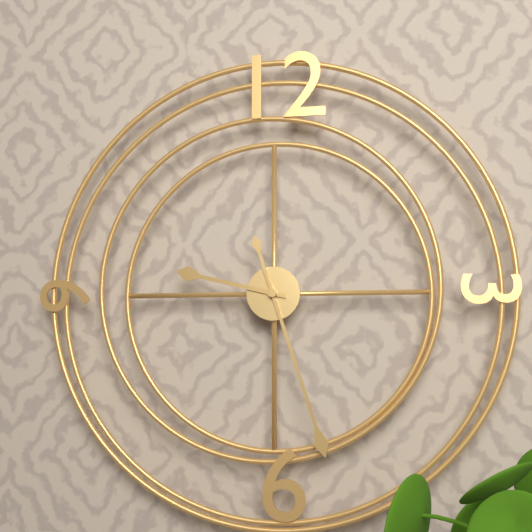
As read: 9.27
